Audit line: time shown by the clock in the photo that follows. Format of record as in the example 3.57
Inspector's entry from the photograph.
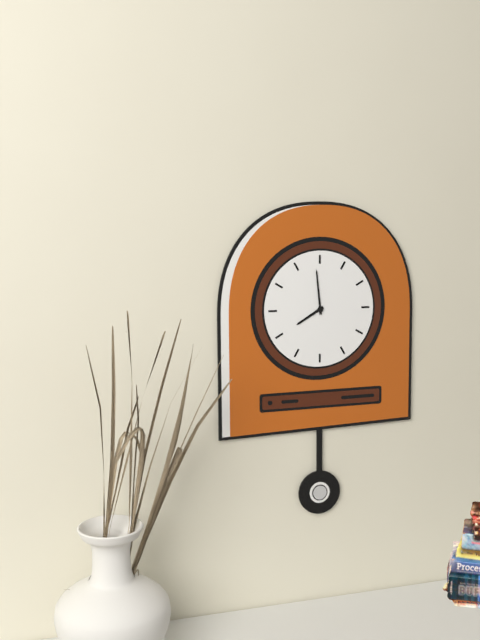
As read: 7.59
